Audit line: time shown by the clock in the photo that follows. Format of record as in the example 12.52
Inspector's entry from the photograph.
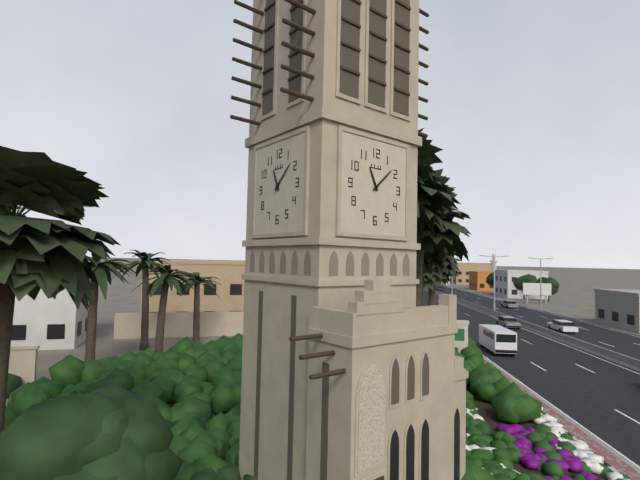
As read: 11.08
